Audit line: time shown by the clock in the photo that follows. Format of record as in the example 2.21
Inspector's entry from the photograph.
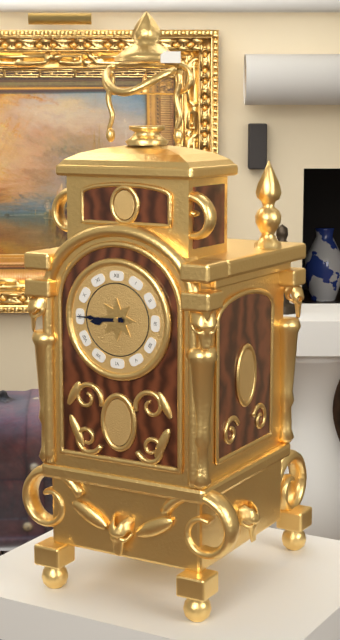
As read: 8.45
